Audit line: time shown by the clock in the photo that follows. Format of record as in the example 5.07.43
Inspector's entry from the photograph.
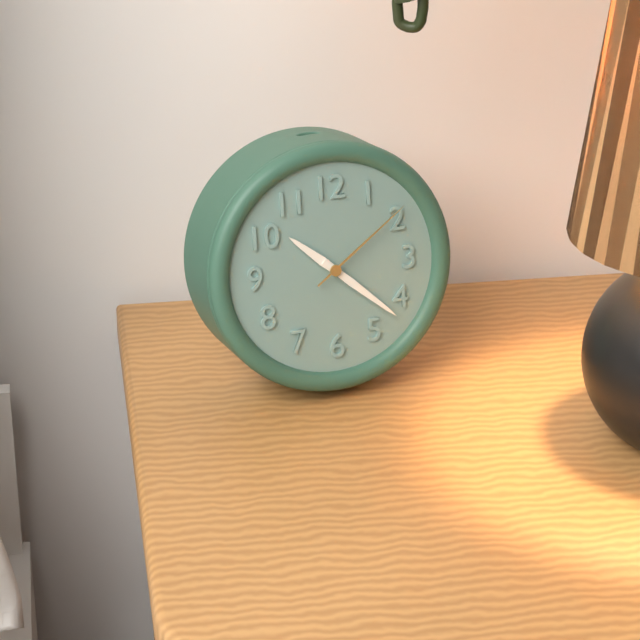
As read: 10.22.09
